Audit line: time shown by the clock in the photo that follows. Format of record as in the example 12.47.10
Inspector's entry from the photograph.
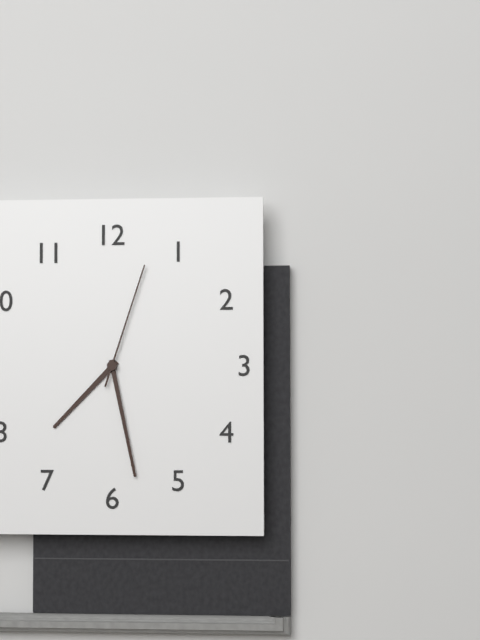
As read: 7.28.03
